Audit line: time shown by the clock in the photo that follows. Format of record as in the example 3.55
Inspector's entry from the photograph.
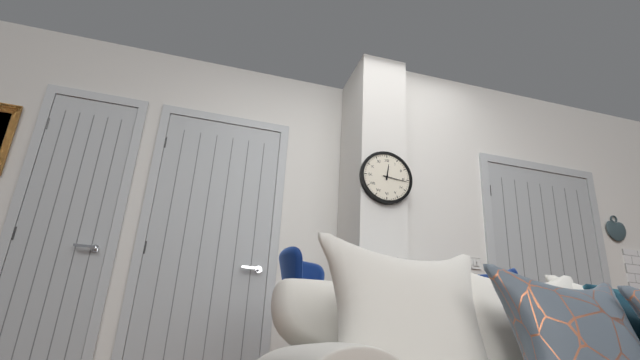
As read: 12.16
